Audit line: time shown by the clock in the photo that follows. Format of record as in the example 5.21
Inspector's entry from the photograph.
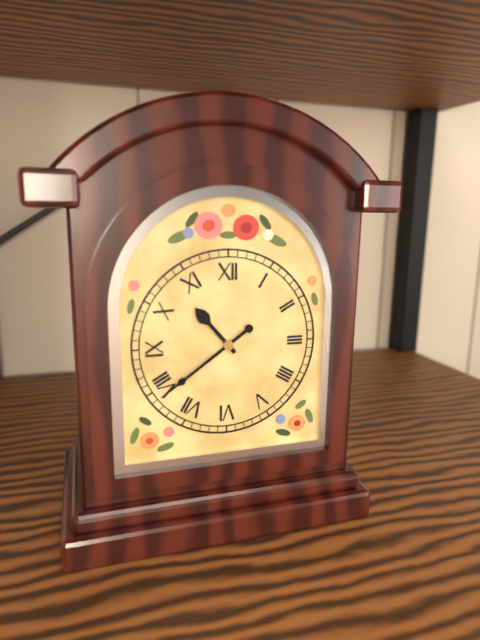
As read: 10.39
